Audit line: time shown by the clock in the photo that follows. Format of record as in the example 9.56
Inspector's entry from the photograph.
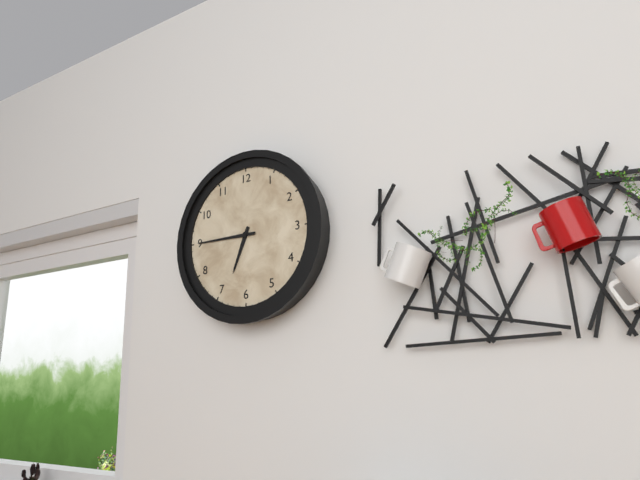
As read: 6.45
